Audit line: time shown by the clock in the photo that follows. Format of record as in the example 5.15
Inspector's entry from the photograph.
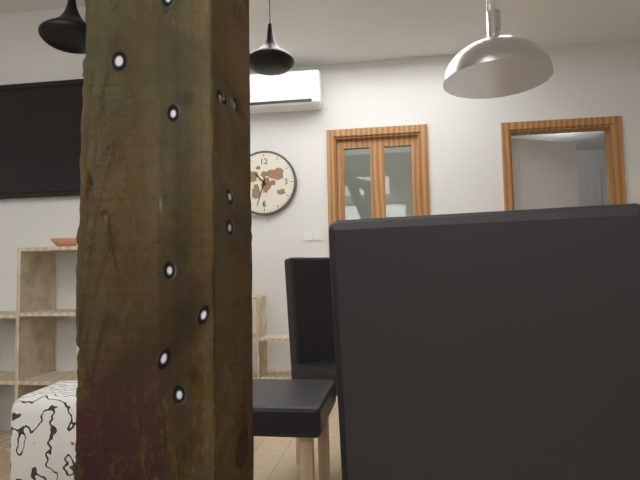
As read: 10.33
